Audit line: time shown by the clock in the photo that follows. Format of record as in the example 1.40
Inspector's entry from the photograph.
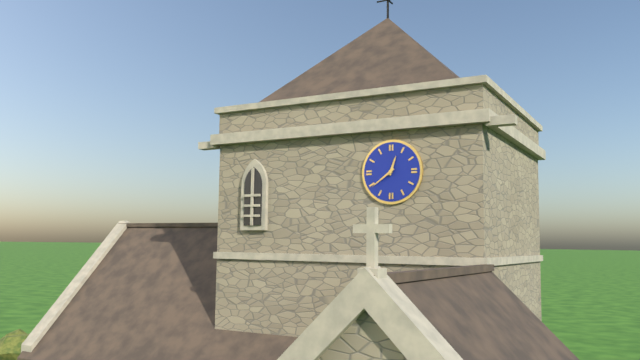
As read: 12.39
